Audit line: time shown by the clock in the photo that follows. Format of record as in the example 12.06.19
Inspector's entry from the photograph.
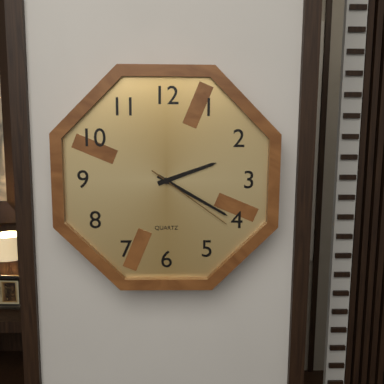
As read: 2.20.21
